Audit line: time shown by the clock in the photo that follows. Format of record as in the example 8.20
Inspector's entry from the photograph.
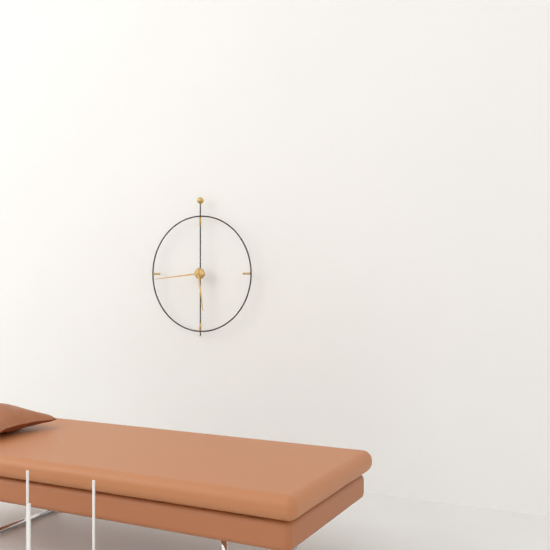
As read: 5.44
